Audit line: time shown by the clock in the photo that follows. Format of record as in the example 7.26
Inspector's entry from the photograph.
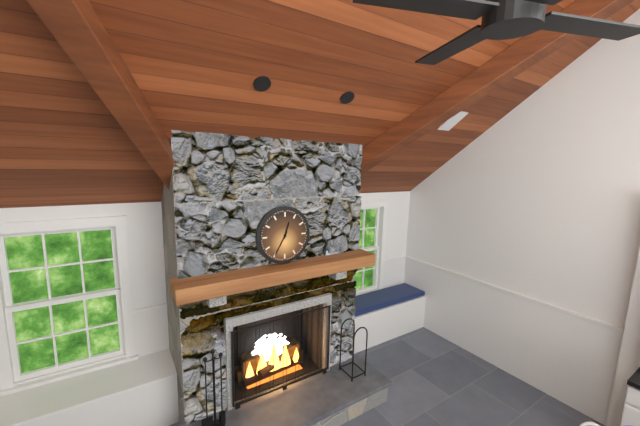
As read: 12.35
